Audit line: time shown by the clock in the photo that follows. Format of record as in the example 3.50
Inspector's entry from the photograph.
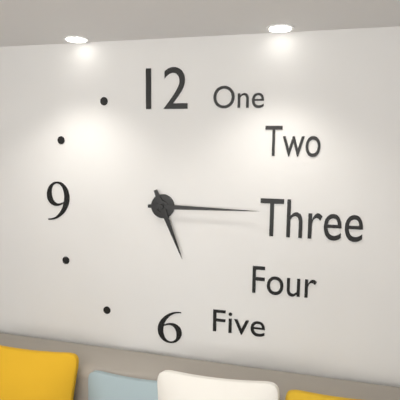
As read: 5.15
